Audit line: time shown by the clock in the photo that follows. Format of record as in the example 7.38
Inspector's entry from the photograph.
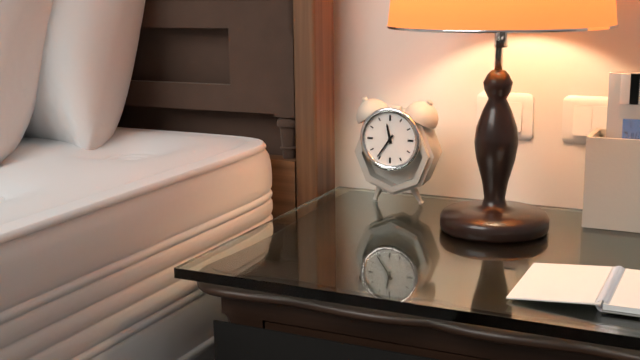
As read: 11.36
